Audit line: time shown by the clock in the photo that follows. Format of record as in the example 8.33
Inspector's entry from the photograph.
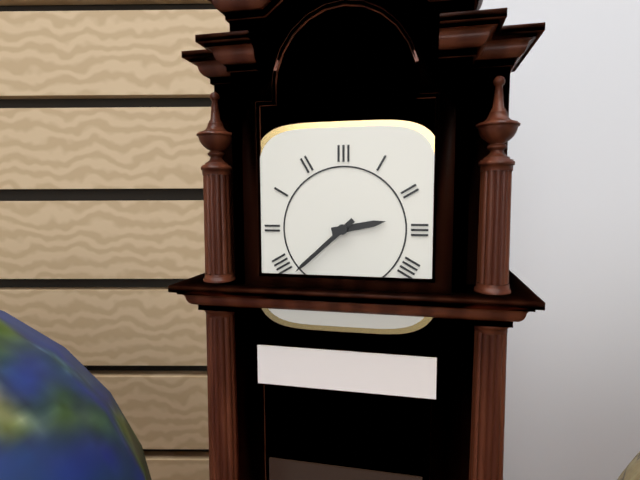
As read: 2.38
